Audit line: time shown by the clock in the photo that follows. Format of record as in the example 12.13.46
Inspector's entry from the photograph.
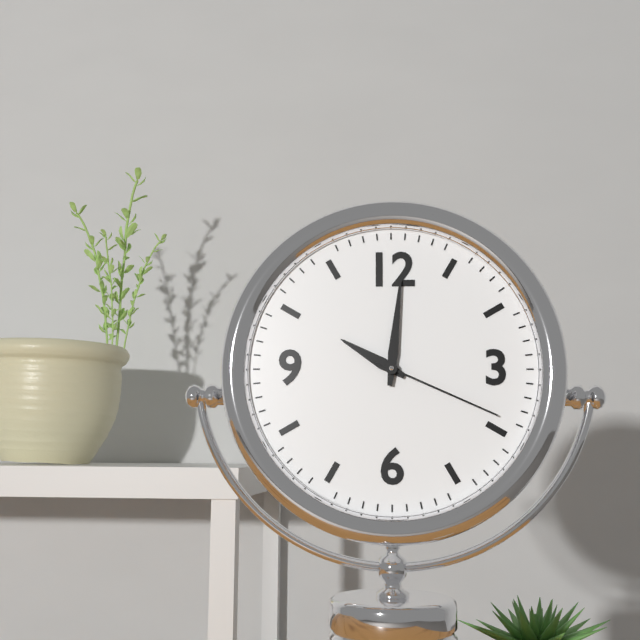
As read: 10.01.19
